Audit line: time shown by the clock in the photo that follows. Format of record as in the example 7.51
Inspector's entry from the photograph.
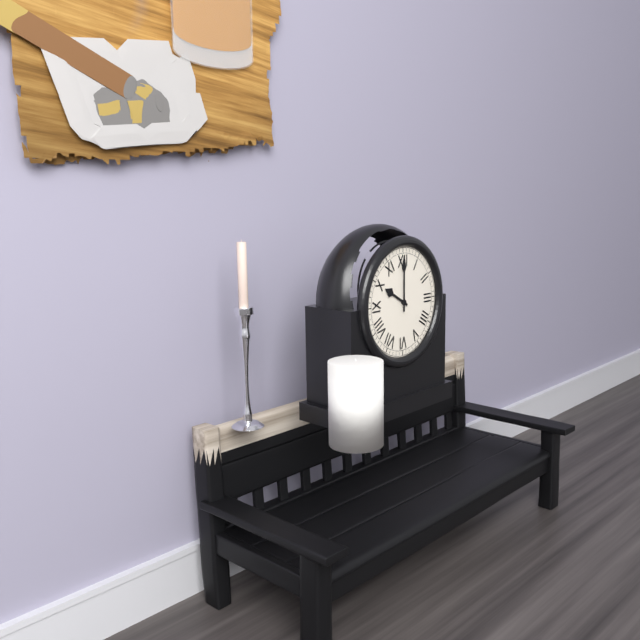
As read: 10.00
